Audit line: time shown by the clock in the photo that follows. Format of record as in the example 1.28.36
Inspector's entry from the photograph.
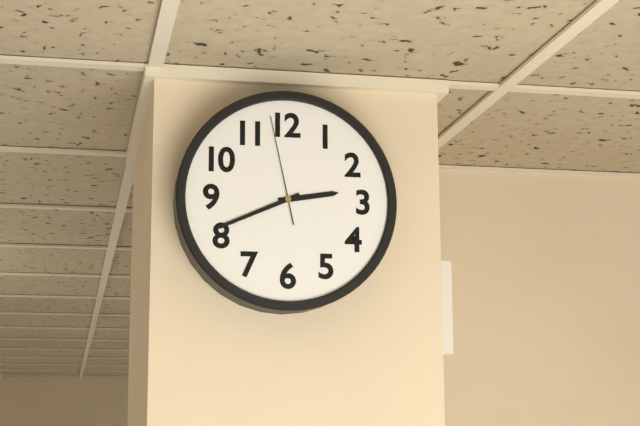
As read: 2.41.58
